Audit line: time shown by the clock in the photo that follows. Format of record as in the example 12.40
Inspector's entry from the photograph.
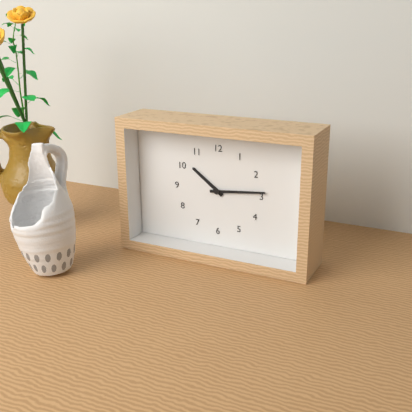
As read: 10.14
